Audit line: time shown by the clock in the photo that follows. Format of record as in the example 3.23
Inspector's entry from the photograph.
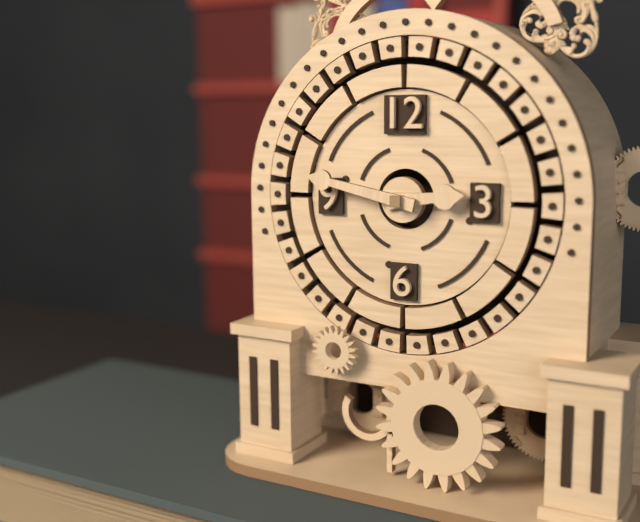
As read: 2.47
